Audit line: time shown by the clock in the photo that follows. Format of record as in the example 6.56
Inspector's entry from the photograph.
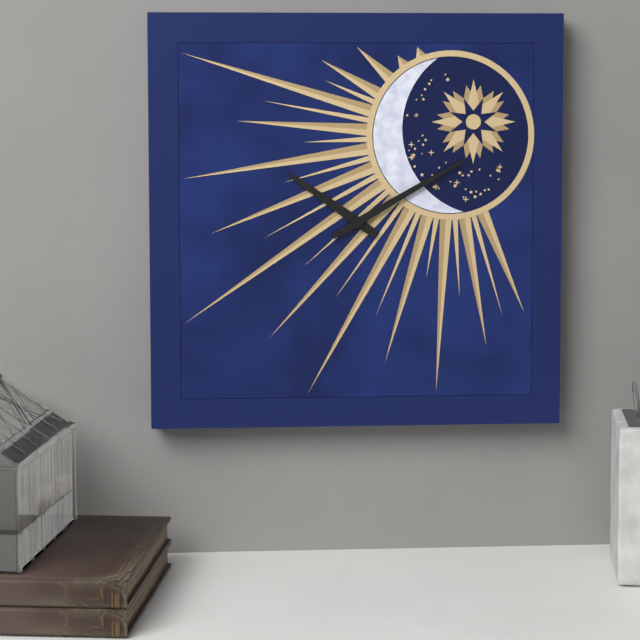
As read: 10.10
